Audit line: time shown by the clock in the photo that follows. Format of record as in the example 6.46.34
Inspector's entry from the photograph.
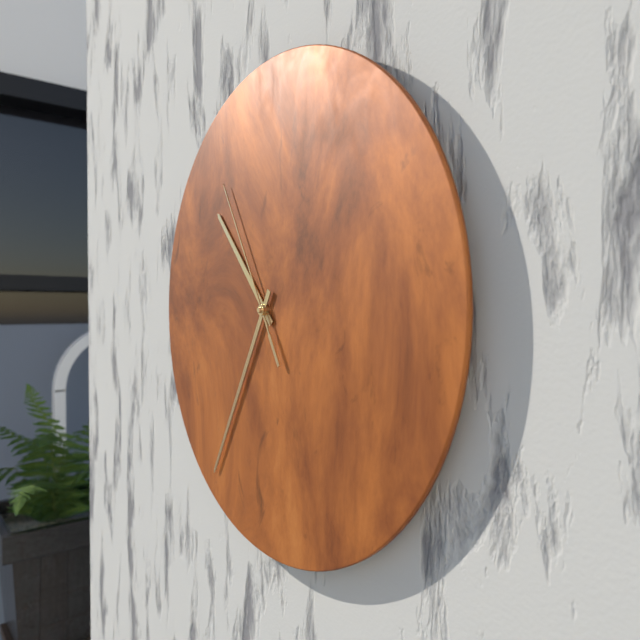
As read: 10.35.55
